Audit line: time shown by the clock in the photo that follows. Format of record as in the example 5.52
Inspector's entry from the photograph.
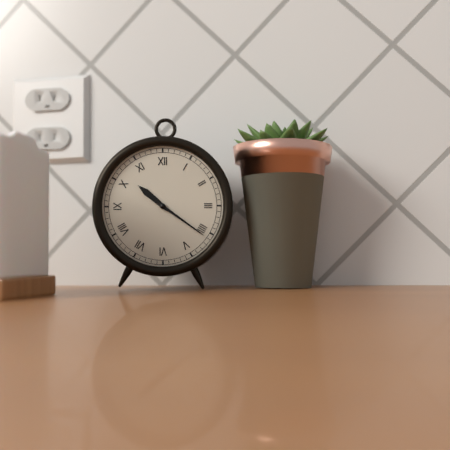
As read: 10.21
